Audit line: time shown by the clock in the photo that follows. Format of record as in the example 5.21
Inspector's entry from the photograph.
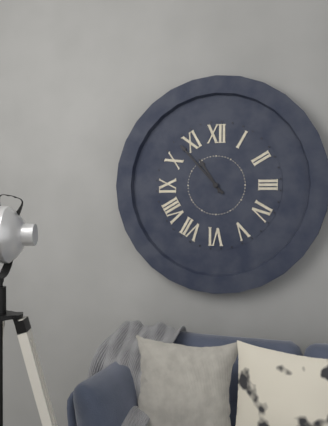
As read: 10.53
